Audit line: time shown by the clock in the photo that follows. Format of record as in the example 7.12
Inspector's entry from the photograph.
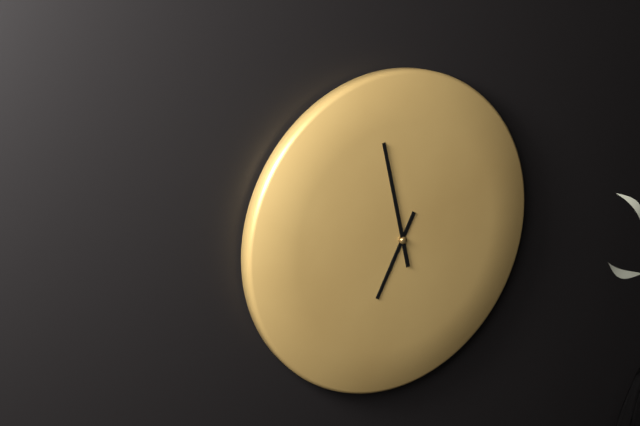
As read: 6.58
